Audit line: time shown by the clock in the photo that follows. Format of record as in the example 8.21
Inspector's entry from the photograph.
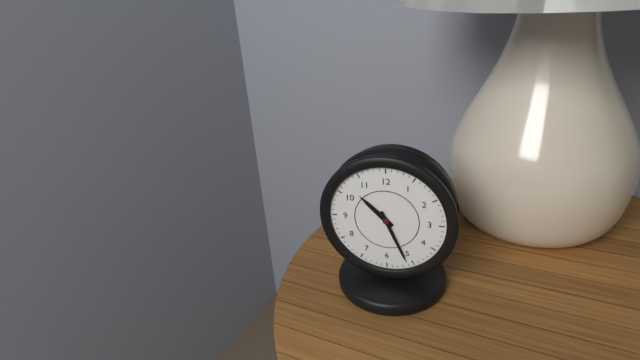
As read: 10.26
